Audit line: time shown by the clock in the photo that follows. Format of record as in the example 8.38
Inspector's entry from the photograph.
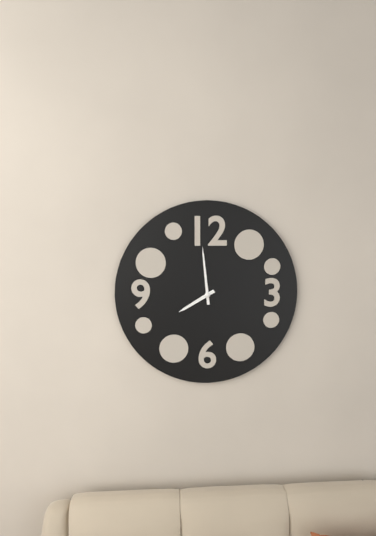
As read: 7.59
